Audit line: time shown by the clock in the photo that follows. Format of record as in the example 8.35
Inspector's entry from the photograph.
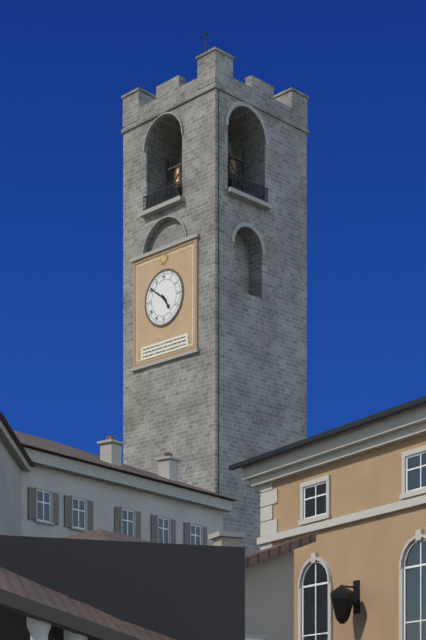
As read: 4.51
